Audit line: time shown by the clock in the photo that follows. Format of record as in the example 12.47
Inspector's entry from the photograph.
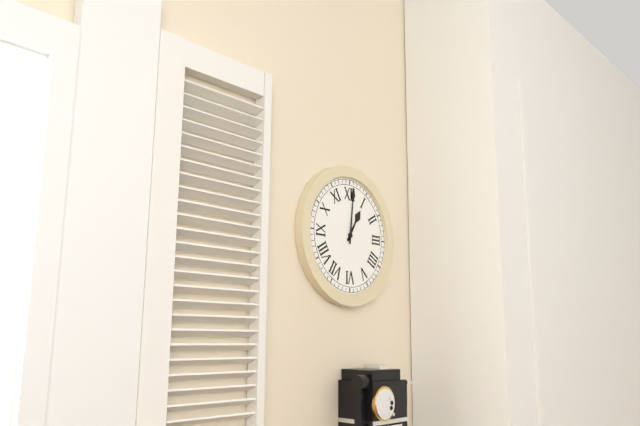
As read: 1.01
